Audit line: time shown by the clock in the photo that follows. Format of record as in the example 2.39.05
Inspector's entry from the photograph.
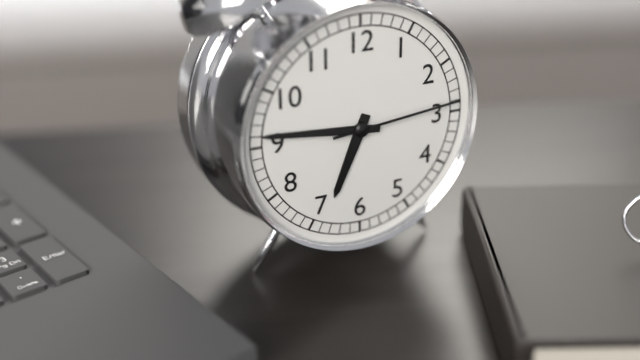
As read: 6.46.14
